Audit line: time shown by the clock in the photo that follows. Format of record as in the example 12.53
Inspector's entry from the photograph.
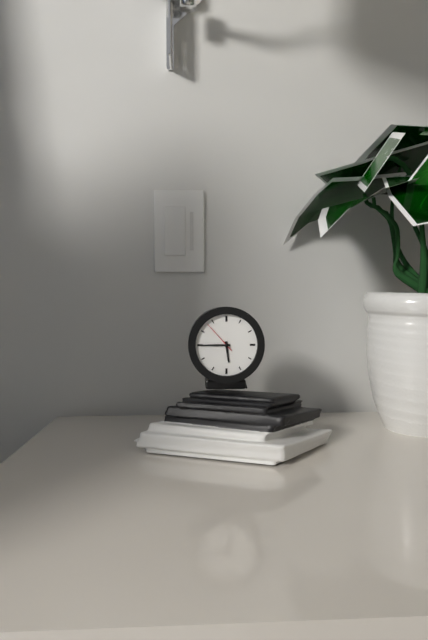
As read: 5.45
